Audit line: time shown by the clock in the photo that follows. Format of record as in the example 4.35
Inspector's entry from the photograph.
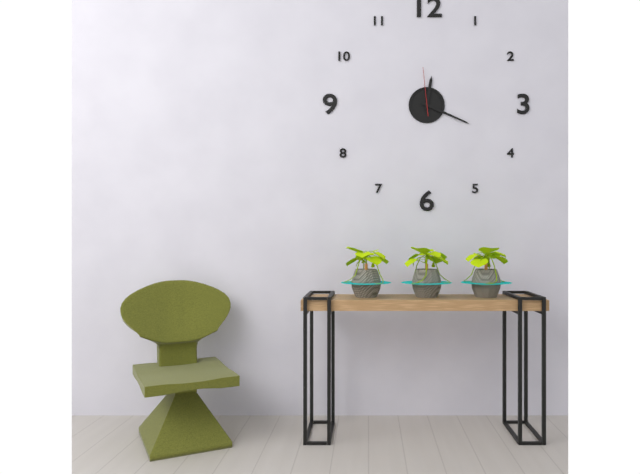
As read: 12.19
